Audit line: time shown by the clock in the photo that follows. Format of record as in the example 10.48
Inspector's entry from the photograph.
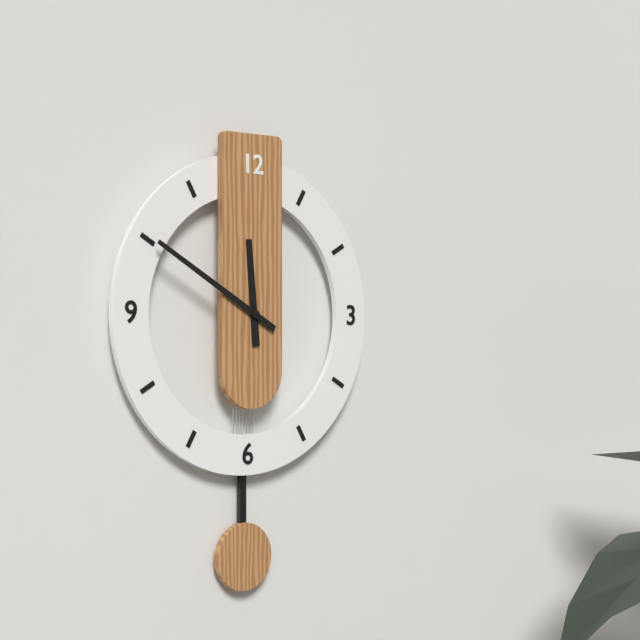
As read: 11.50
